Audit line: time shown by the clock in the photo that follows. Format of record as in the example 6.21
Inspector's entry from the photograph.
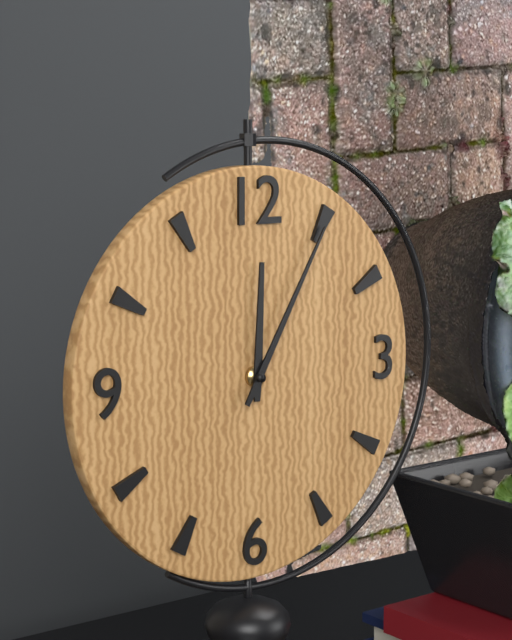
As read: 12.05
